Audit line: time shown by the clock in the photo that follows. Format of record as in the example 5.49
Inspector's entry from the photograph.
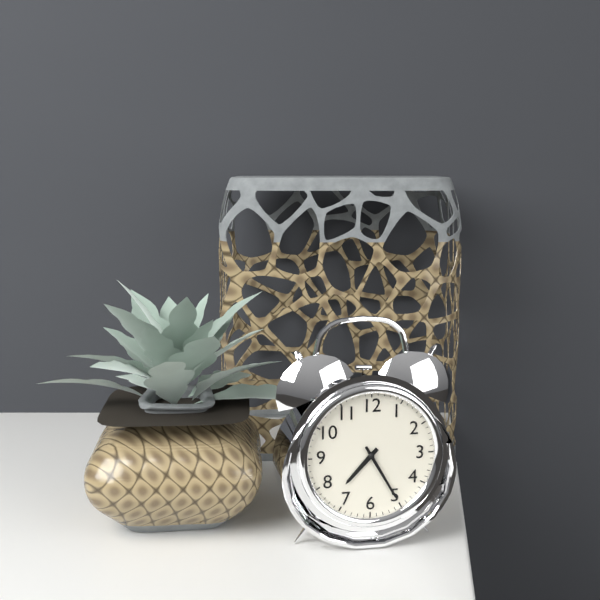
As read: 7.25
